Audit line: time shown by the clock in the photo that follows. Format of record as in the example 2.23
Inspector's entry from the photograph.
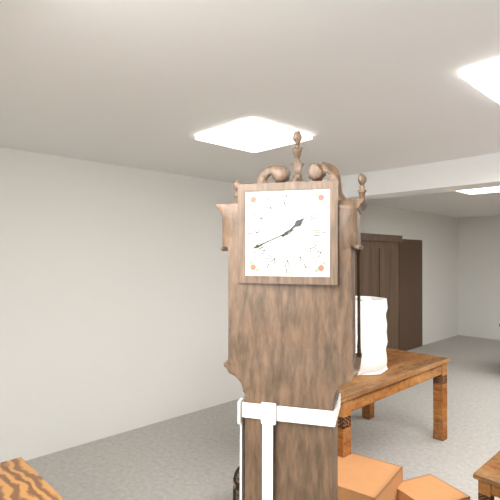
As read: 1.41
